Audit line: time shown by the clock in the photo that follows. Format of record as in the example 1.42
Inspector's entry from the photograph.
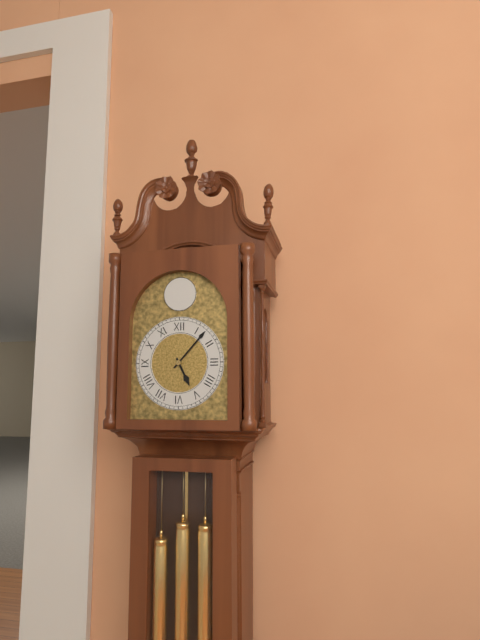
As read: 5.07
